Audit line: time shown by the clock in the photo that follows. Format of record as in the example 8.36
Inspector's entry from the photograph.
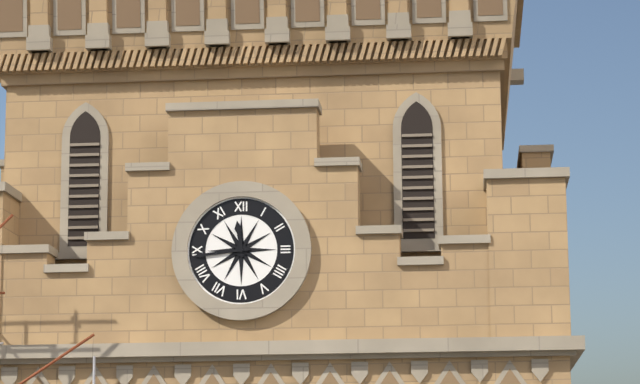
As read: 11.44
